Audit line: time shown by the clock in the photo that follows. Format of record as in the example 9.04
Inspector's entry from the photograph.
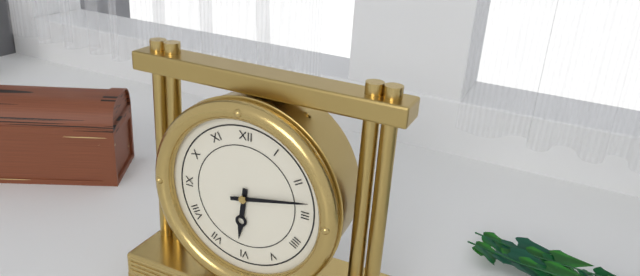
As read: 6.13
